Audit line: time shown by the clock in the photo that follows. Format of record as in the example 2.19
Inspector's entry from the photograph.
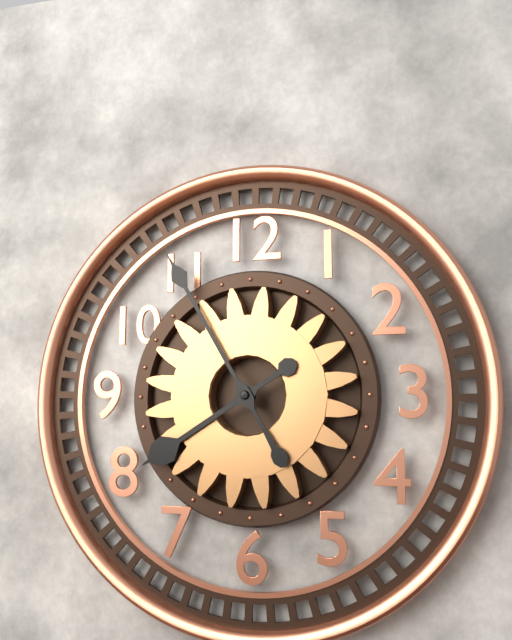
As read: 7.55
